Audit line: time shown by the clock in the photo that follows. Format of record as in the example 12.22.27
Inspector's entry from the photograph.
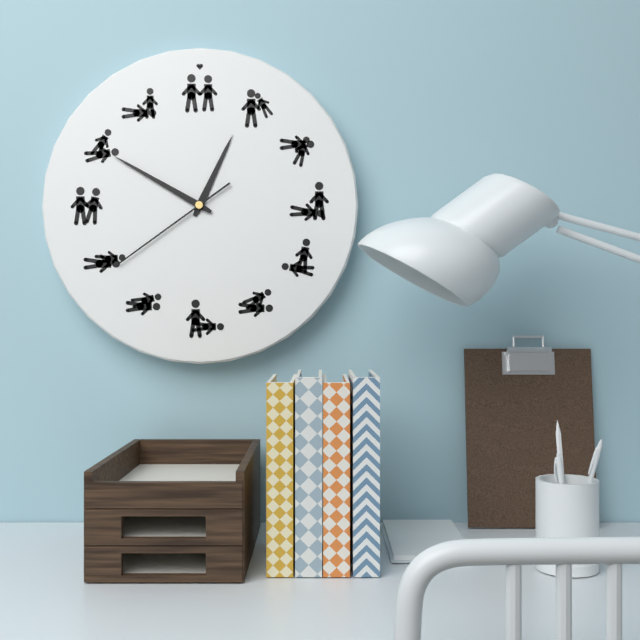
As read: 12.50.39
